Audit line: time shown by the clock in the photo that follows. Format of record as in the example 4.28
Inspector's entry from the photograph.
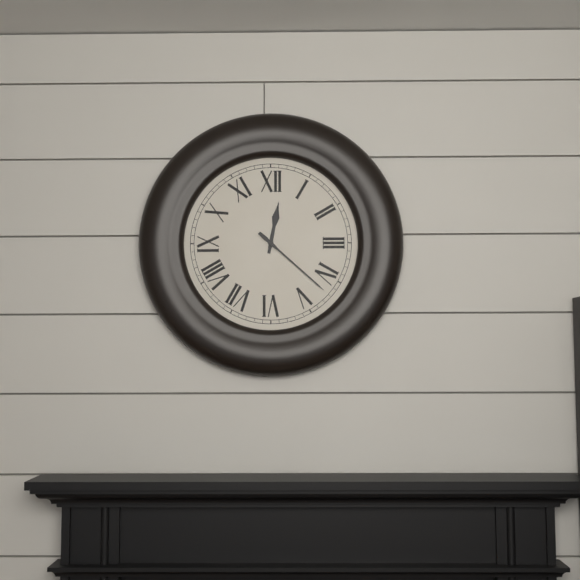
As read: 12.22
